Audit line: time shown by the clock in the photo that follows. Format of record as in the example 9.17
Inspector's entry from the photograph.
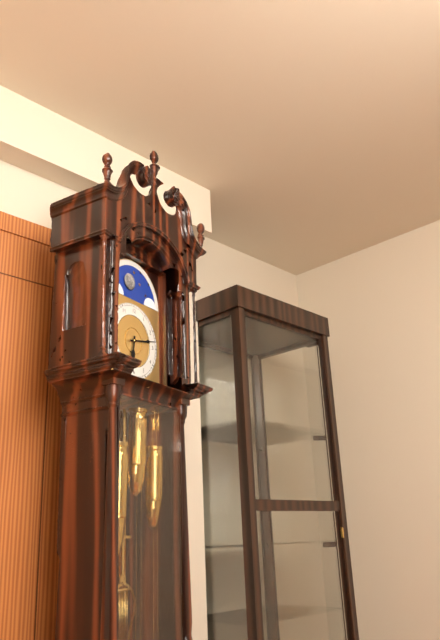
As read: 6.13
